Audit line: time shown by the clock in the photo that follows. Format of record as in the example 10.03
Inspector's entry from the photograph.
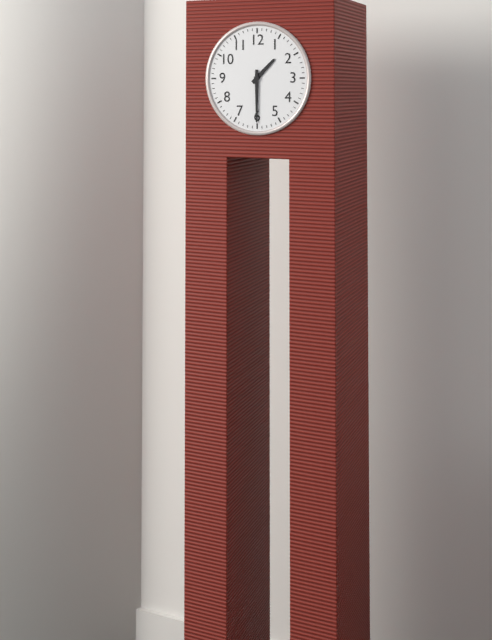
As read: 1.30
